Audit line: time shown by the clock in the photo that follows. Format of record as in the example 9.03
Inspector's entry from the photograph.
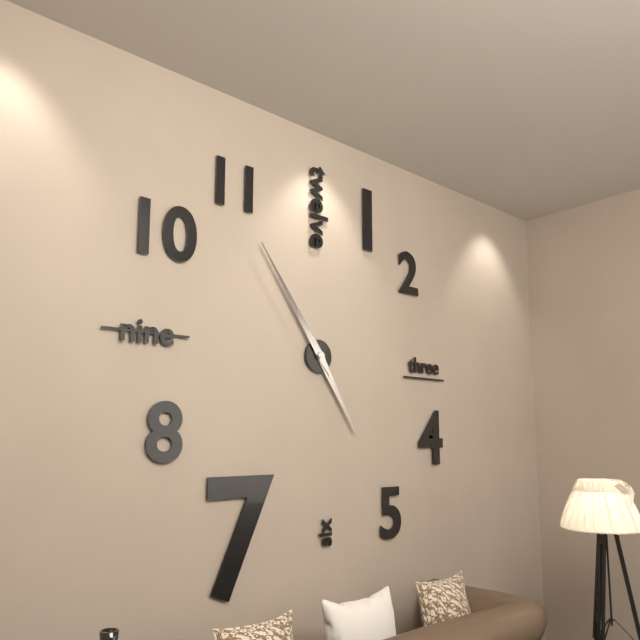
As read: 4.54
